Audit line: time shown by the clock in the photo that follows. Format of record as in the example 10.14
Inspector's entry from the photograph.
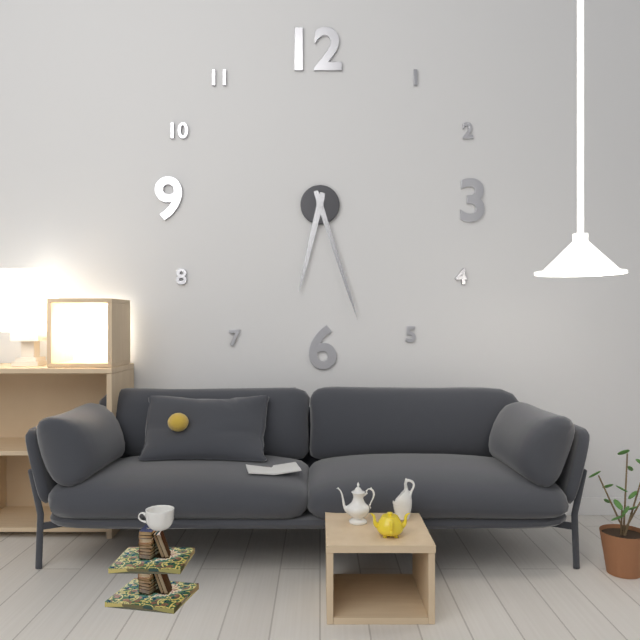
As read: 6.27
